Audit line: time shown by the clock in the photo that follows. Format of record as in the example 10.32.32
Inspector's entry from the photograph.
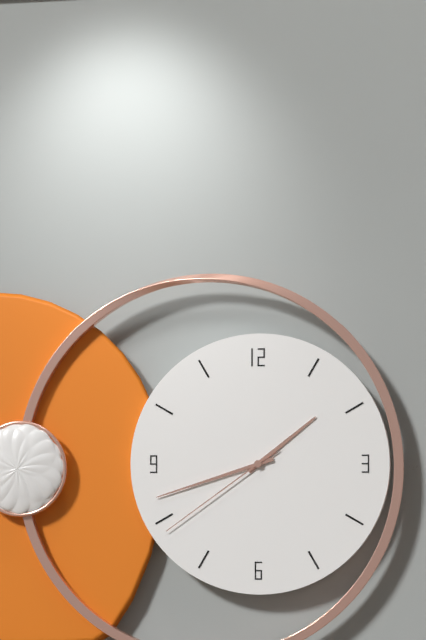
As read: 1.42.39
